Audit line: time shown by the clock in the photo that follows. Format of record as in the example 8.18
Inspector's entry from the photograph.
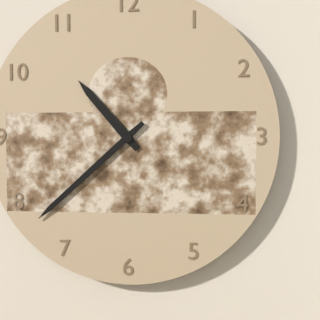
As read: 10.38
